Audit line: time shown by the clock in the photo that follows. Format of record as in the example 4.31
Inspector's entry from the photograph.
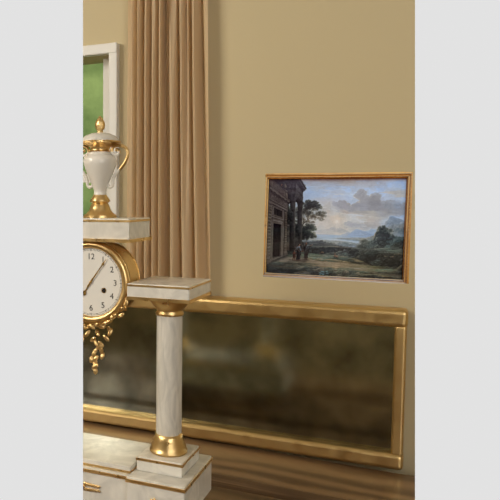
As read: 7.06
